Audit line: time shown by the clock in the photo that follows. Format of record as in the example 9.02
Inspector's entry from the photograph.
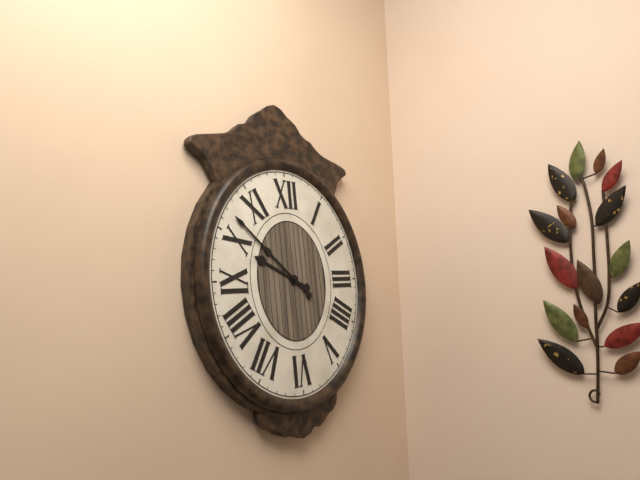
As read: 9.52
